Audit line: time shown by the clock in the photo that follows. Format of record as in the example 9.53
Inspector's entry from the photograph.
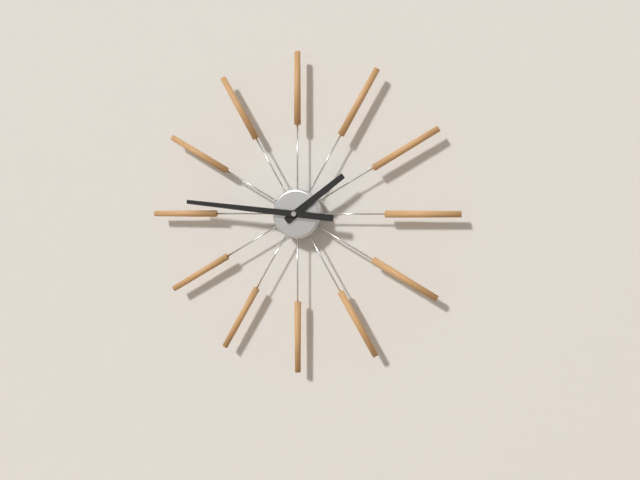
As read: 1.46
